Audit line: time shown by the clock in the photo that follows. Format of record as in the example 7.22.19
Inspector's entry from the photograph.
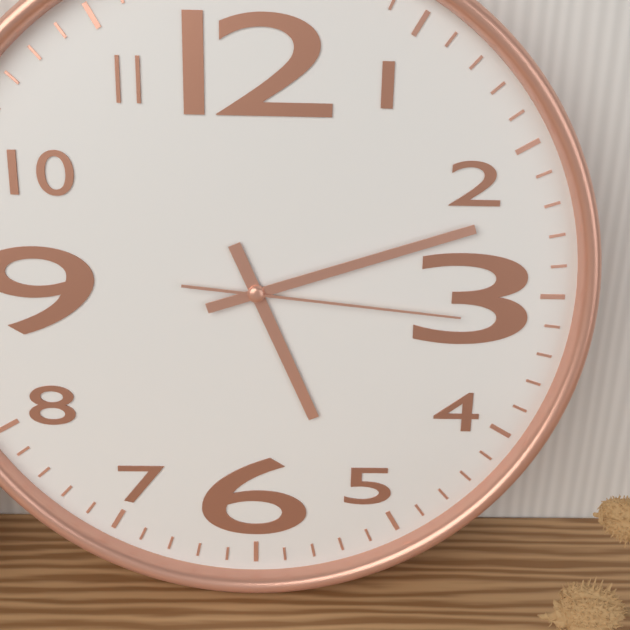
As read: 5.12.16
